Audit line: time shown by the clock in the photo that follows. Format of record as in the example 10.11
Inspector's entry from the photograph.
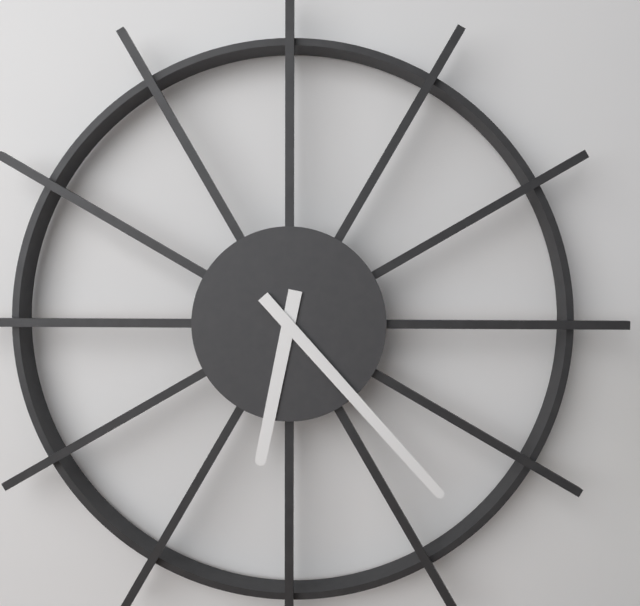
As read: 6.23
